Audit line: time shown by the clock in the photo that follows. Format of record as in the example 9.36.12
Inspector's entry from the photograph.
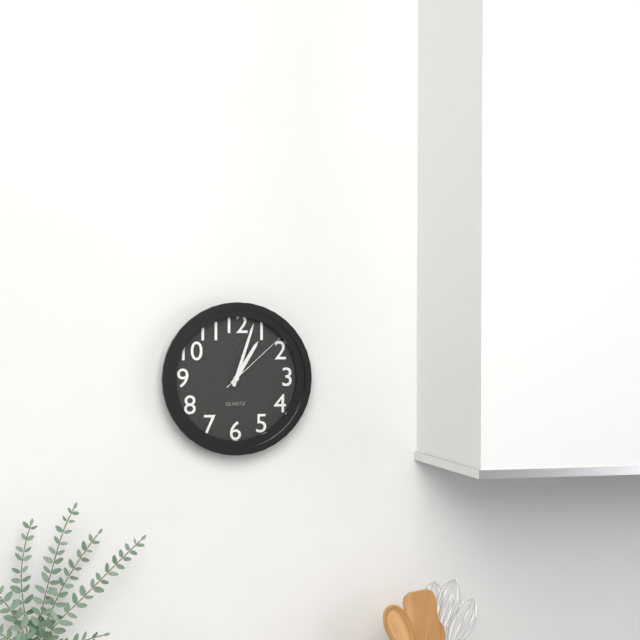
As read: 1.03.08
